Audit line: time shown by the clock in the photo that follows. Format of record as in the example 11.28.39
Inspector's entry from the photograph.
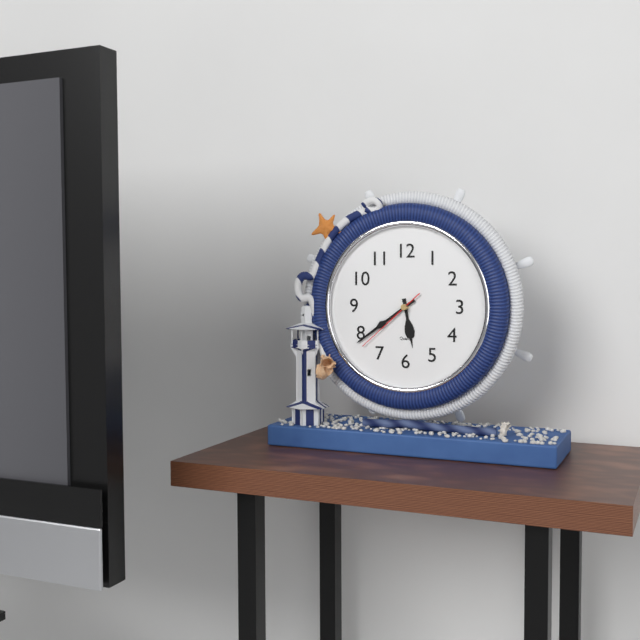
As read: 5.39.38
